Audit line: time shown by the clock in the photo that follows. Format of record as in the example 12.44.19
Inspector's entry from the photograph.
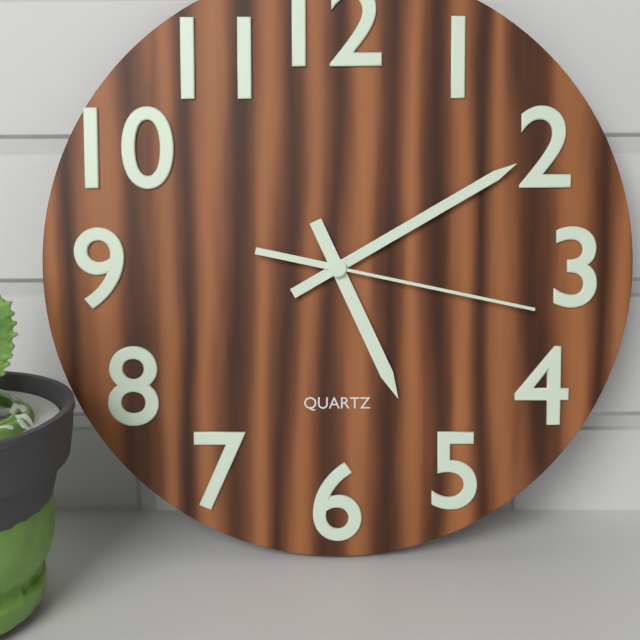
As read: 5.10.17
